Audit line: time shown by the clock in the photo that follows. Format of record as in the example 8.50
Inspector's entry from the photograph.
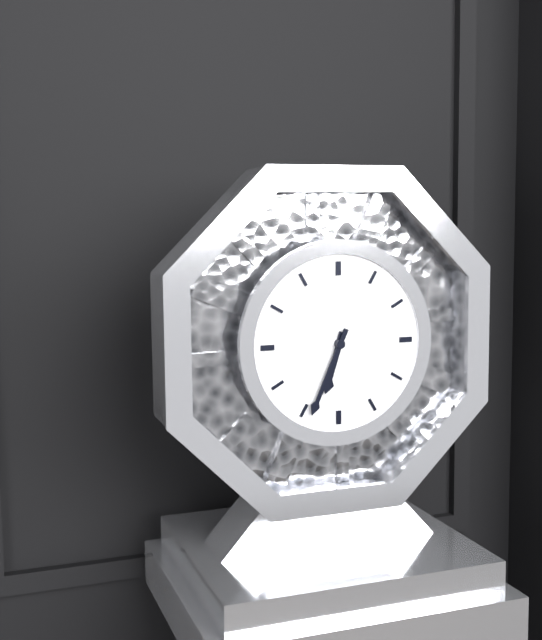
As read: 6.34
